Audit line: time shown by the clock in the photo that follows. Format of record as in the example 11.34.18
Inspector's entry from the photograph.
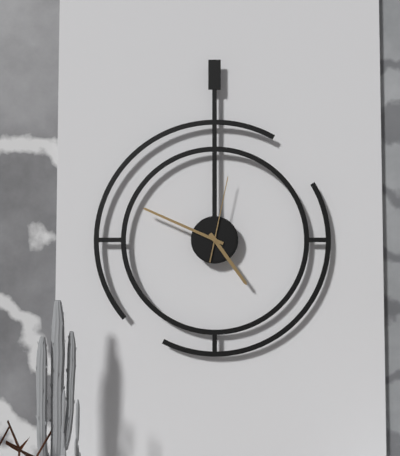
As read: 4.49.02
